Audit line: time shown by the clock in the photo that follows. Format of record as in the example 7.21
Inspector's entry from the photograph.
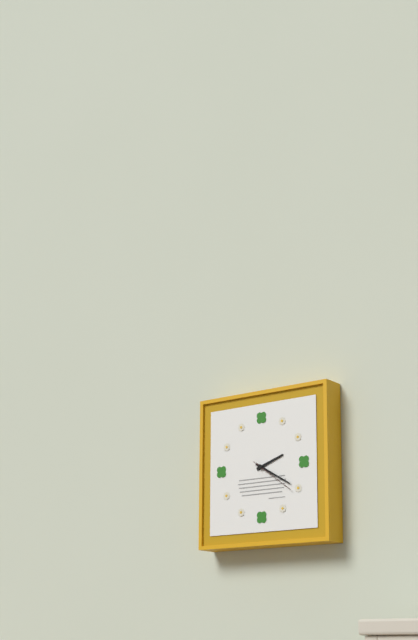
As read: 2.20
